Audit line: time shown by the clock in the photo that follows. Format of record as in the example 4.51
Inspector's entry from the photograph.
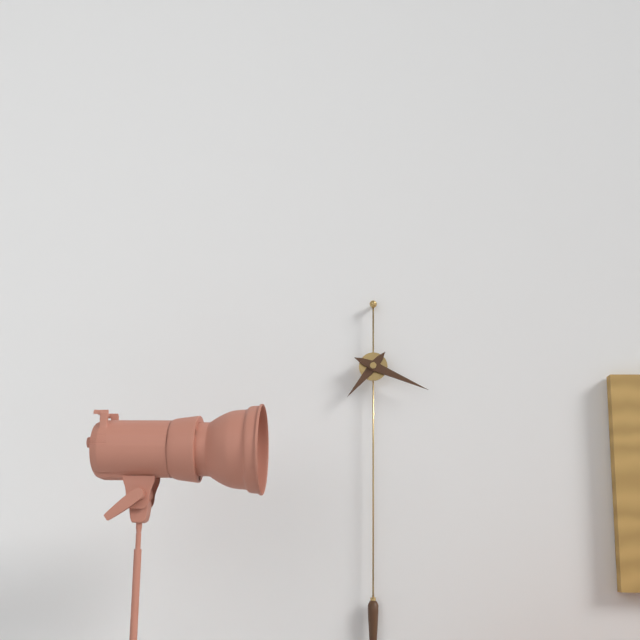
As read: 7.19
